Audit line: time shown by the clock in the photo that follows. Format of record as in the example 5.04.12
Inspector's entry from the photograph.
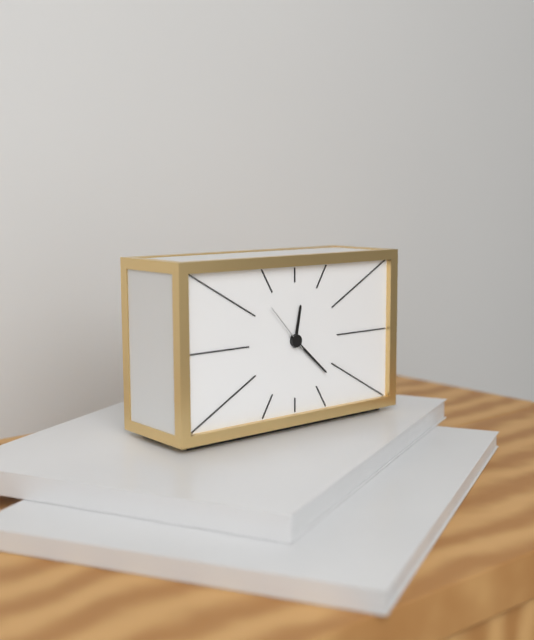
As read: 12.22.53
